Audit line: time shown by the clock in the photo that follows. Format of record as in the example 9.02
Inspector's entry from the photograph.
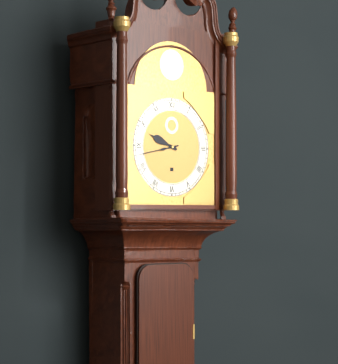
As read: 9.43
